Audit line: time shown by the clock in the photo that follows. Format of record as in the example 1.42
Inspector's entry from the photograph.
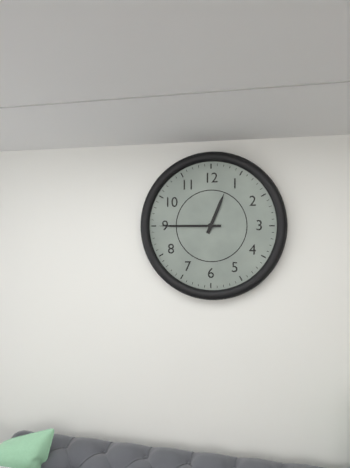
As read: 12.45
